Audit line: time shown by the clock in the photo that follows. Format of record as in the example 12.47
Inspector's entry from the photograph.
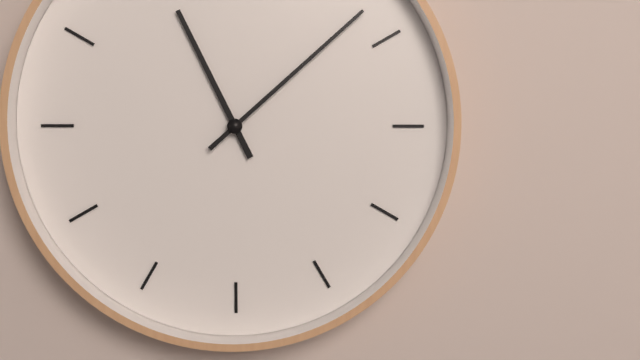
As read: 11.08
